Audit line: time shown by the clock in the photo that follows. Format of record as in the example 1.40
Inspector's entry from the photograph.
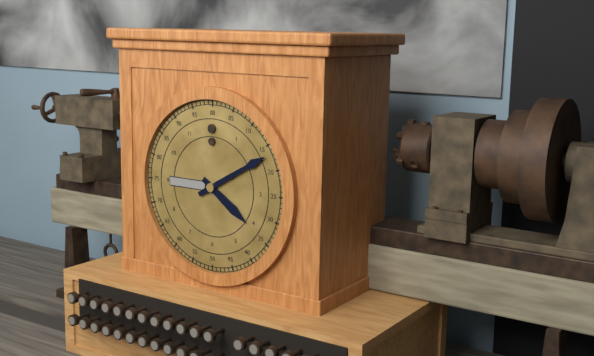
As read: 4.10
